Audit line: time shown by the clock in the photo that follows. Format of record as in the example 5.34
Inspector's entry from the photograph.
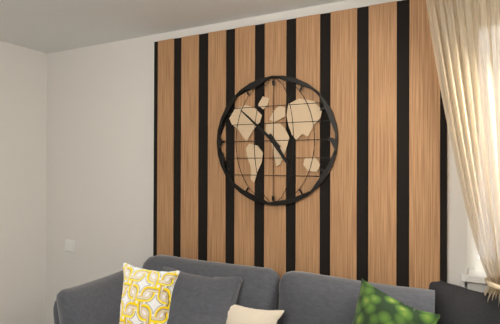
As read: 4.52
